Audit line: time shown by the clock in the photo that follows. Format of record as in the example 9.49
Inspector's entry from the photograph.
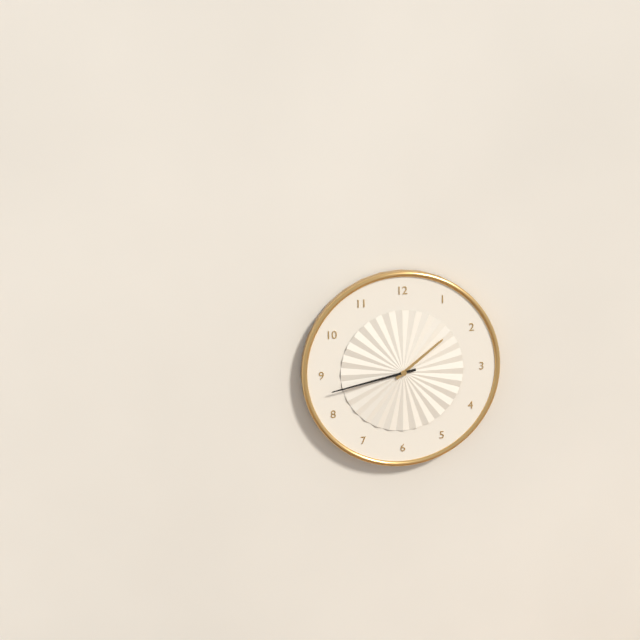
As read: 1.43
